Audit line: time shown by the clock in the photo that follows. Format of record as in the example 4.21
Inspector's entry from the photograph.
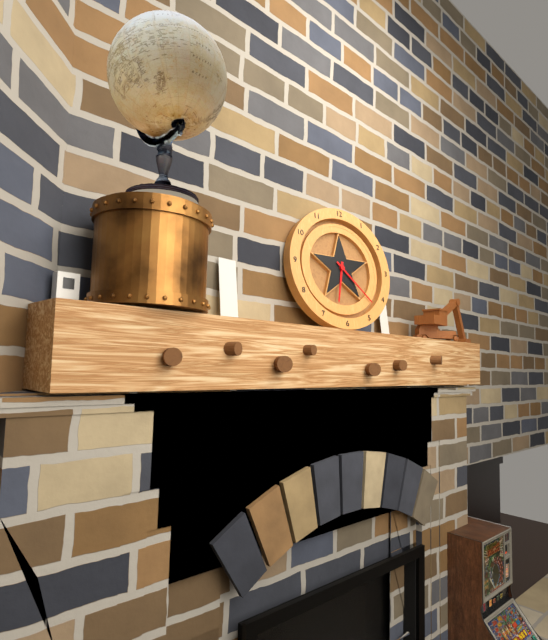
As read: 6.22
